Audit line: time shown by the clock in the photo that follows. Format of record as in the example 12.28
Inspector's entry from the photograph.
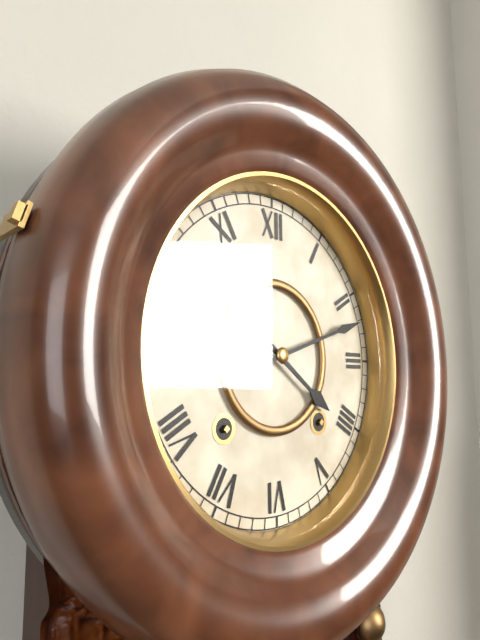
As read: 4.12
